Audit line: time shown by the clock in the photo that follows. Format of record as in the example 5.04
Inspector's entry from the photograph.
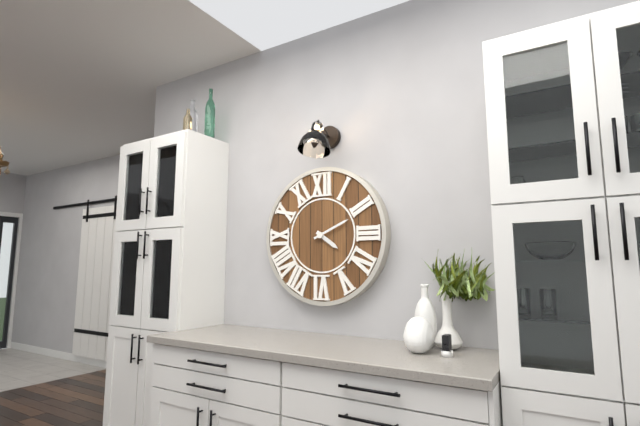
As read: 4.11
